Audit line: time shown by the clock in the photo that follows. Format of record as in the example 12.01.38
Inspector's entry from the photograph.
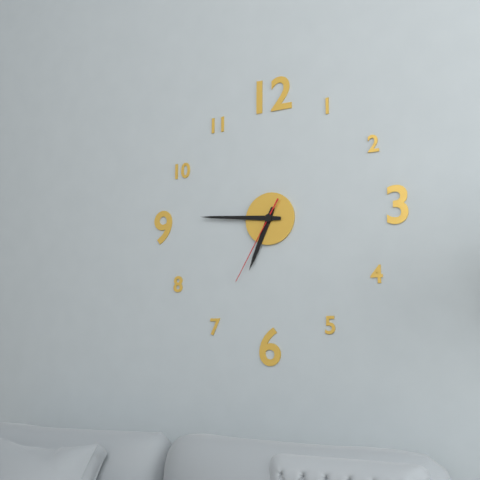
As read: 6.46.35
